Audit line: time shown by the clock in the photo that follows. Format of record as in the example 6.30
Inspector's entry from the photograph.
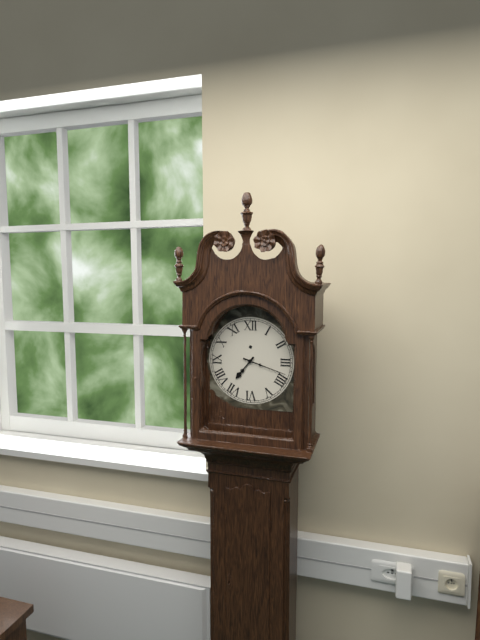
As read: 7.18
